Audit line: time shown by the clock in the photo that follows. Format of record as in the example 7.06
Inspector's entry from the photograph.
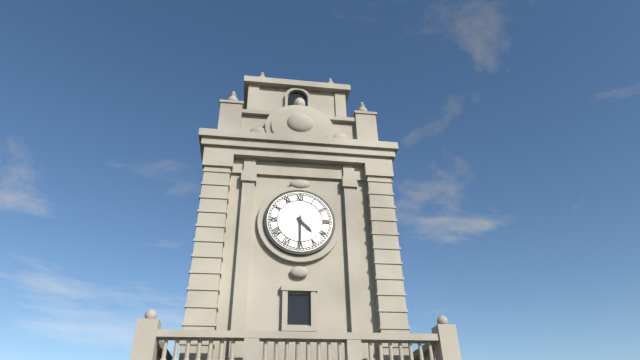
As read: 4.30
